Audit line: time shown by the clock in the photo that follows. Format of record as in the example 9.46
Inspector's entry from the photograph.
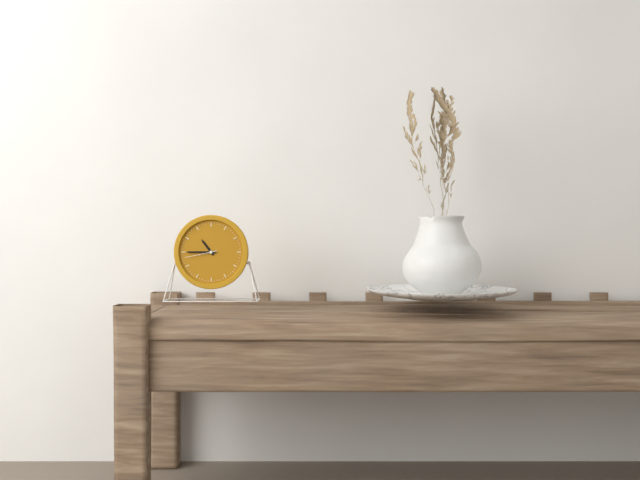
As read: 10.45
